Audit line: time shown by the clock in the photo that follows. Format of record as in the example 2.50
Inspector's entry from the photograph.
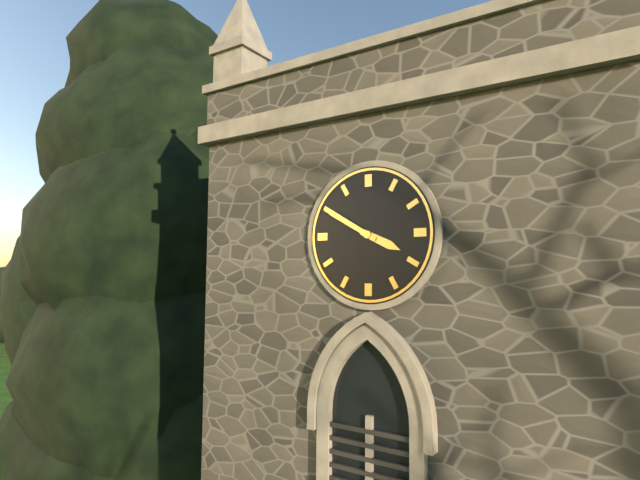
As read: 3.50
